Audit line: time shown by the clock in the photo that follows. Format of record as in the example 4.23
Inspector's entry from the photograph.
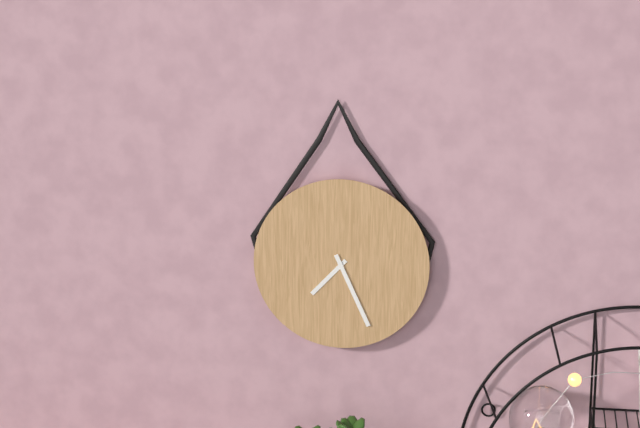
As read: 7.26
